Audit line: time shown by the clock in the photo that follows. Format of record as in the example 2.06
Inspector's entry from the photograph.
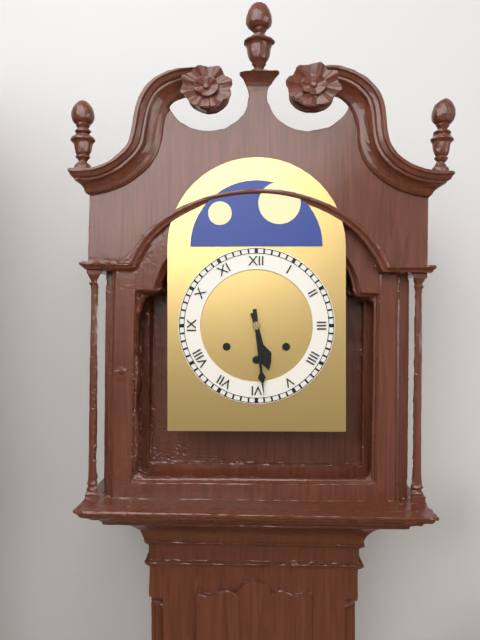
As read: 5.29
